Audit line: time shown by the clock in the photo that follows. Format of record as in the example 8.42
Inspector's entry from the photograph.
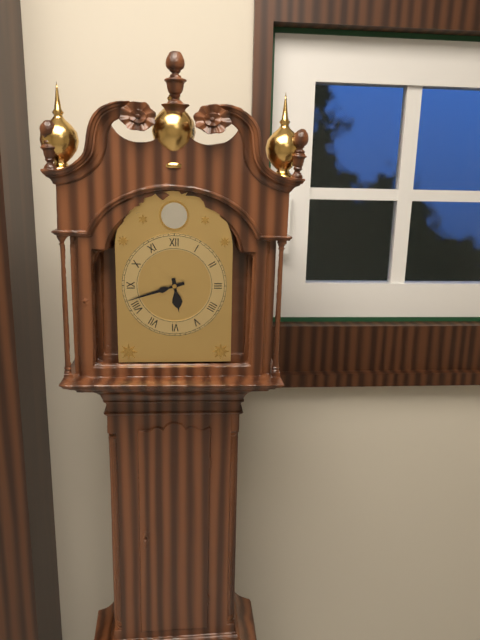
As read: 5.42
